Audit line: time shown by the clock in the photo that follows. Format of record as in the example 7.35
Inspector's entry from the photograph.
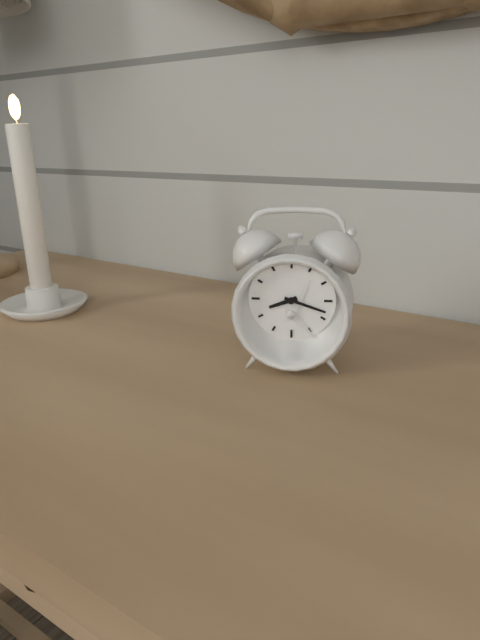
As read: 8.18
